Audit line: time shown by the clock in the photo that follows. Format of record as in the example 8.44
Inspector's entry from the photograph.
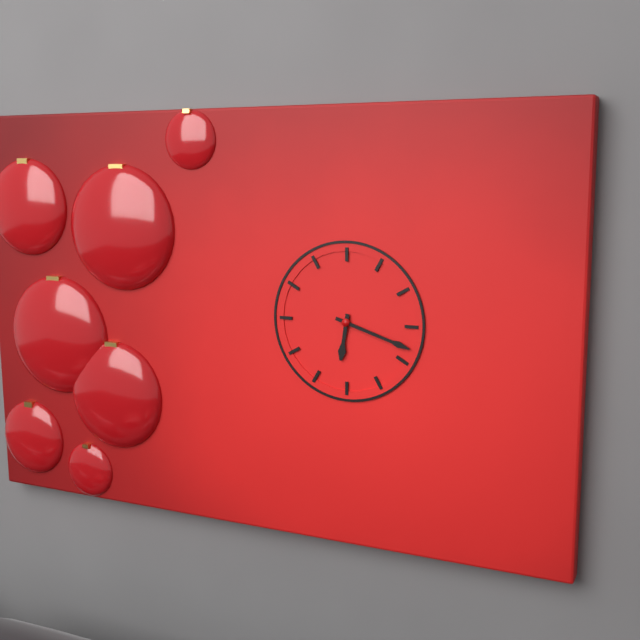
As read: 6.18
